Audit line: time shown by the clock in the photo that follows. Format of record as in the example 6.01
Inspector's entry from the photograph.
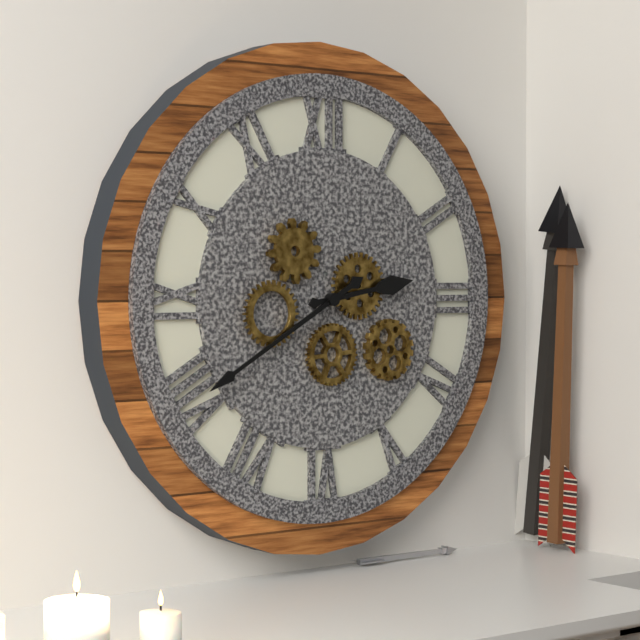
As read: 2.40
